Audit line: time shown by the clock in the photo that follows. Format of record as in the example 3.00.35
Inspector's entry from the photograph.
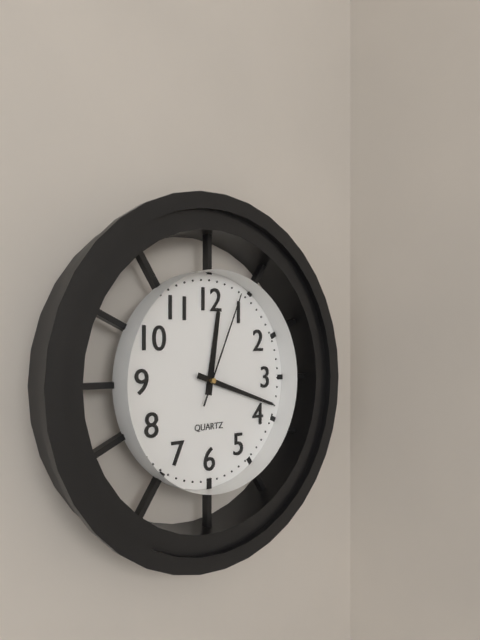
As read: 12.18.04
